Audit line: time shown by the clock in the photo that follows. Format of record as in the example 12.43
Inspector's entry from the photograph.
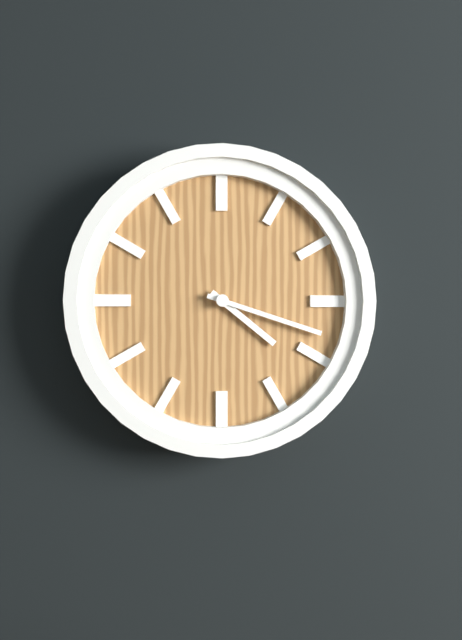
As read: 4.18
